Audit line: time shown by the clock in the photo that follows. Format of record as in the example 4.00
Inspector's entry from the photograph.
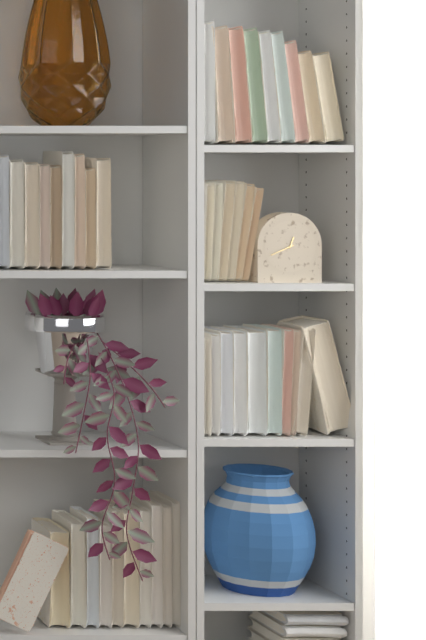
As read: 12.41
